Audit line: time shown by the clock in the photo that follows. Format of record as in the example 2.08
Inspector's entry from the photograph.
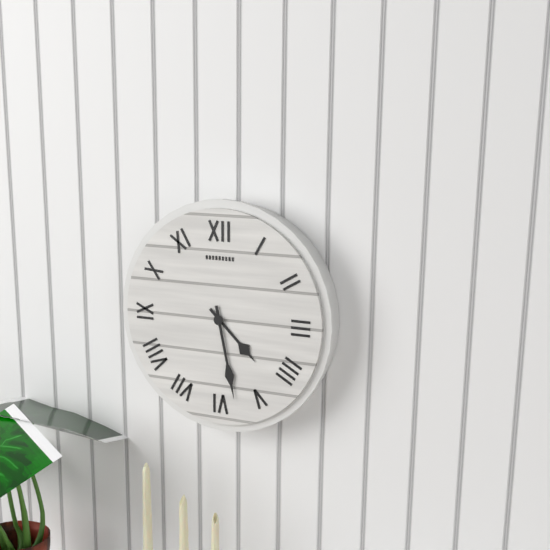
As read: 4.28
